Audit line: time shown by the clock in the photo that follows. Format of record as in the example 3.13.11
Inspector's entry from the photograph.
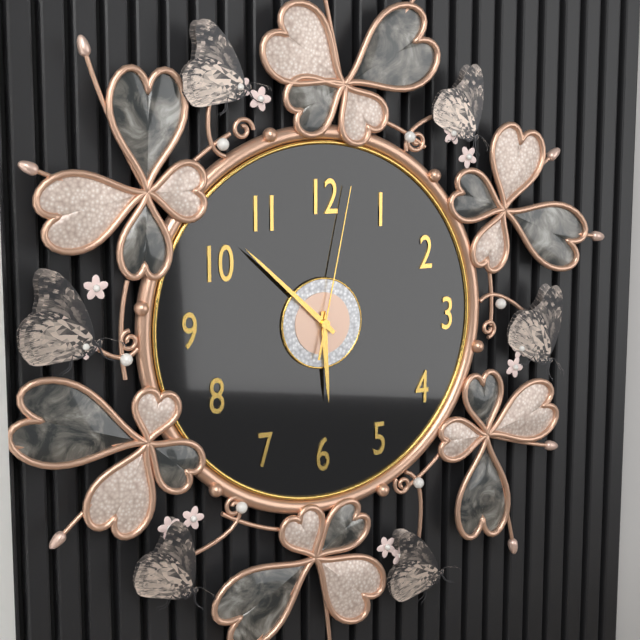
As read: 5.52.02
